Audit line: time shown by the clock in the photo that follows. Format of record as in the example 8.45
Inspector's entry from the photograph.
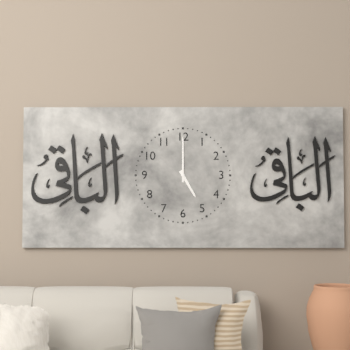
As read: 5.00
